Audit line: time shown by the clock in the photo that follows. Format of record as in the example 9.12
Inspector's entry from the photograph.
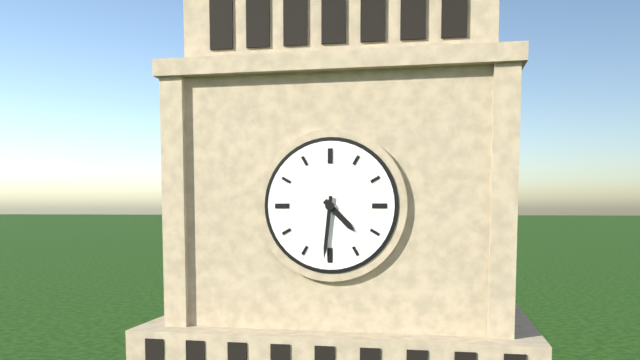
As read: 4.31
